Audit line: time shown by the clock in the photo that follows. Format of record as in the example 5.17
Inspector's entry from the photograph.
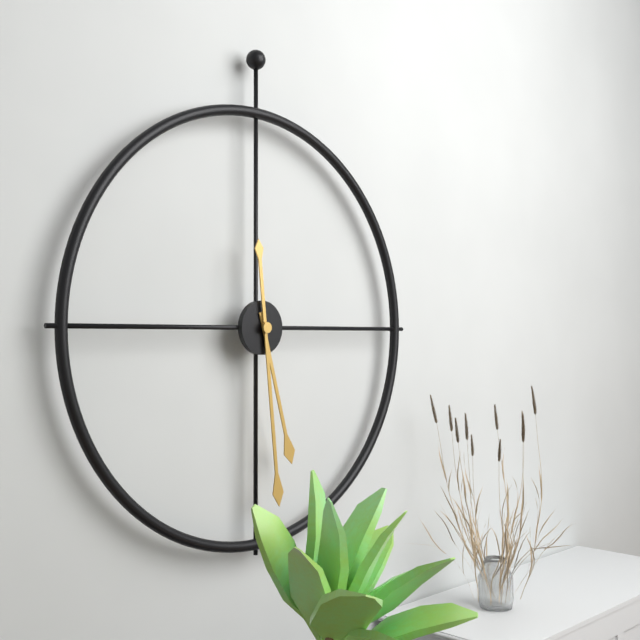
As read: 5.29
